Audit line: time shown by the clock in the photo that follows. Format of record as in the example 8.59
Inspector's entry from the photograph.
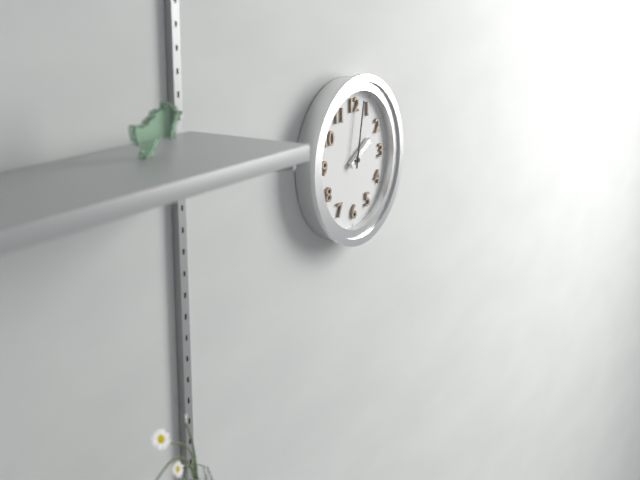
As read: 2.02
